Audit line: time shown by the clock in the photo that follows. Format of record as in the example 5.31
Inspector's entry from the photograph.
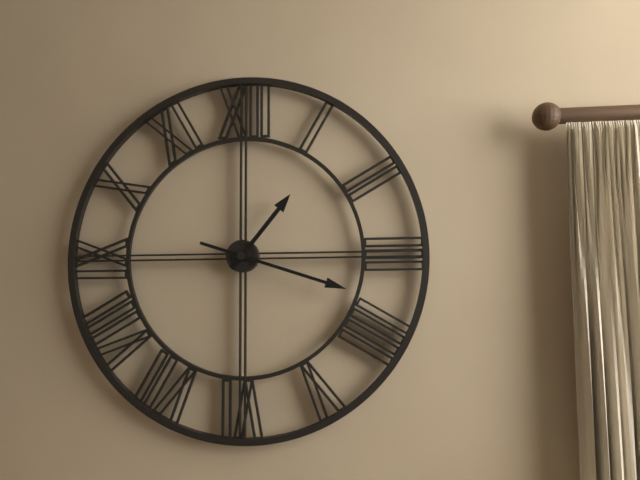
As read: 1.18
